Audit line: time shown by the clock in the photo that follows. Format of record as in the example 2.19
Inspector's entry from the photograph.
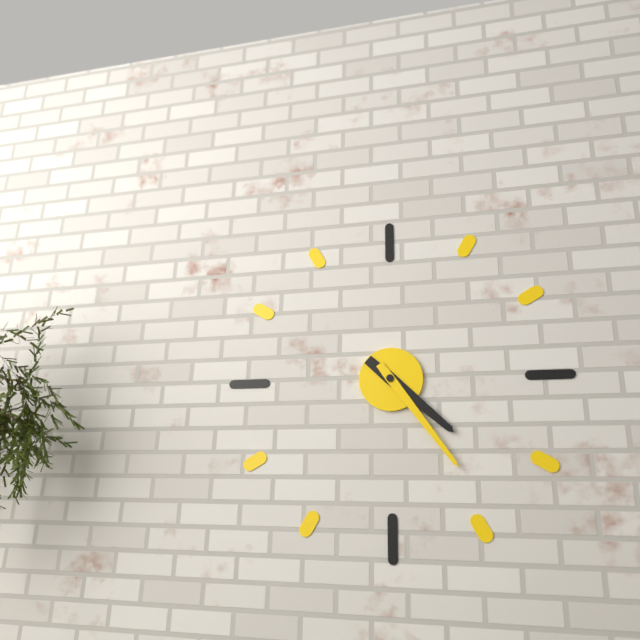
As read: 4.24
